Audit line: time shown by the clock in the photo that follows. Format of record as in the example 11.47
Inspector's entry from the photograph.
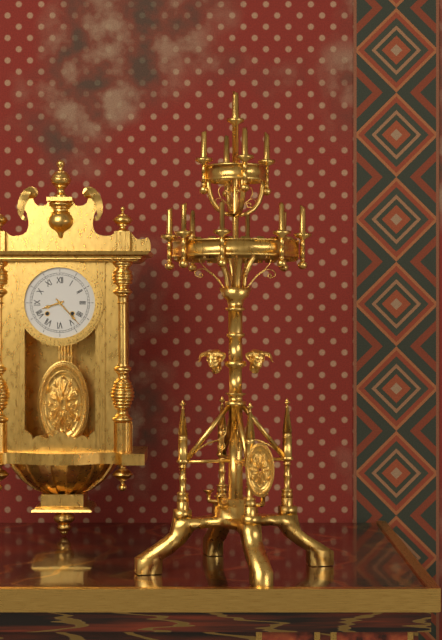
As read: 8.23
